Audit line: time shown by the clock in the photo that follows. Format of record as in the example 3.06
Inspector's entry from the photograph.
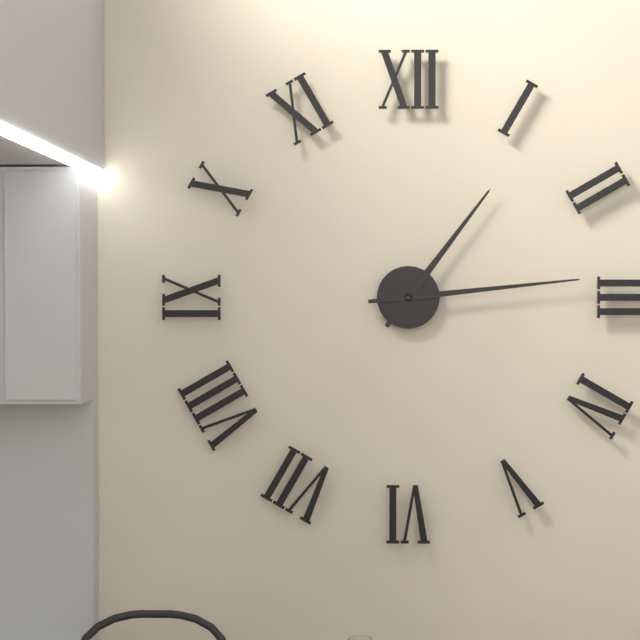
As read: 1.14
